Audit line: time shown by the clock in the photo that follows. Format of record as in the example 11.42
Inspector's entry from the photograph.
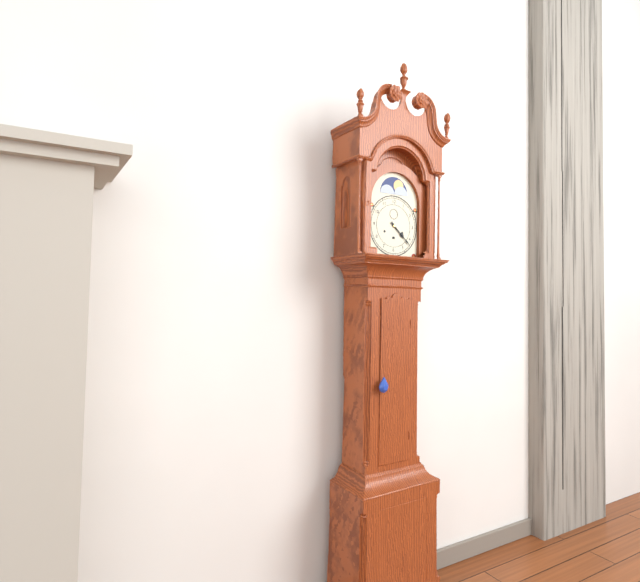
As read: 4.22
